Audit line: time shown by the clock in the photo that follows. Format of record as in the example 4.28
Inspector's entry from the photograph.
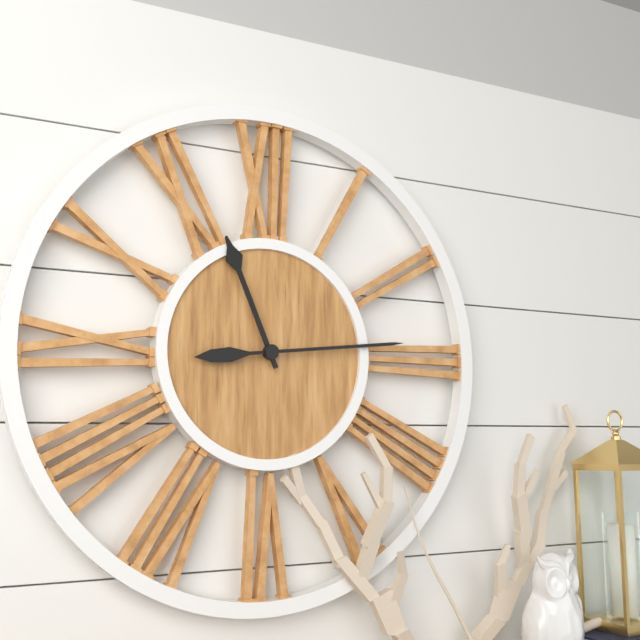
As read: 11.14
